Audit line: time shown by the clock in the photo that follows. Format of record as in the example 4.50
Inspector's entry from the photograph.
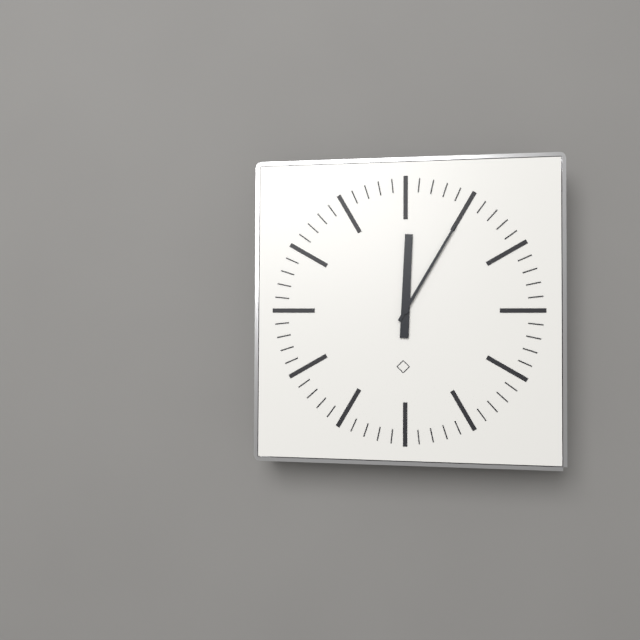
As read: 12.05
